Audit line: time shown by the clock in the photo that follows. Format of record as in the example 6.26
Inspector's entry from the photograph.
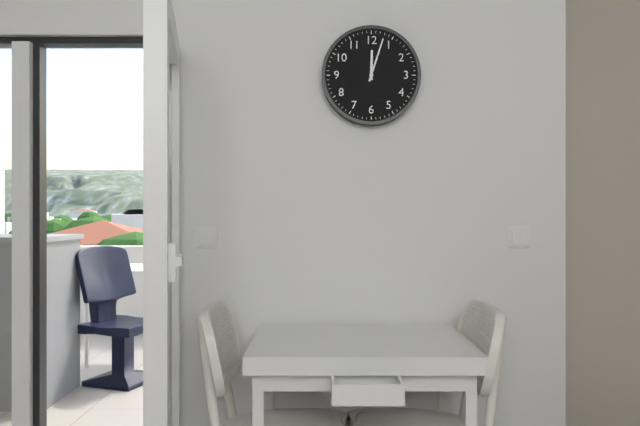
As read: 12.03
